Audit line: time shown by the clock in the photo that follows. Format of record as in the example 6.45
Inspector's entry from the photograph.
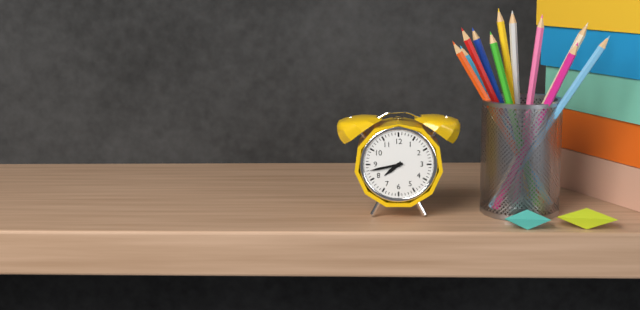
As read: 7.43
